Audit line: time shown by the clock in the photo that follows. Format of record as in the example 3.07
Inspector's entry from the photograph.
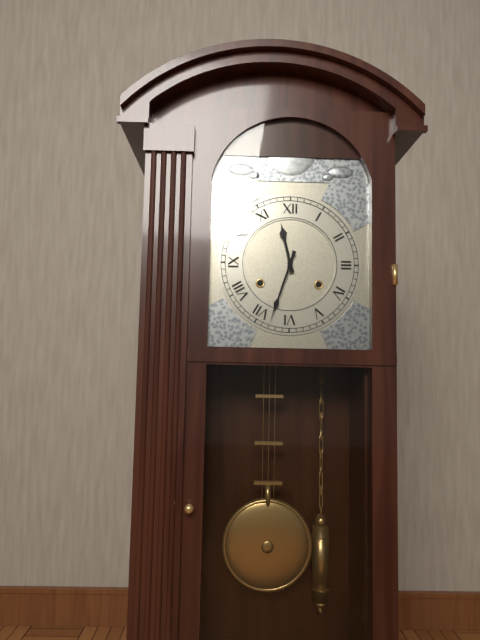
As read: 11.33
